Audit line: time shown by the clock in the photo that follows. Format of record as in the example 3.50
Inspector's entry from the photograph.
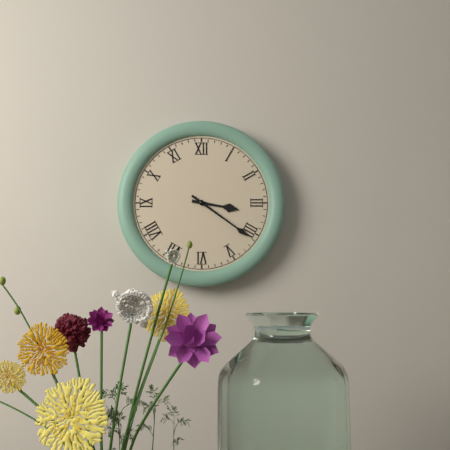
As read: 3.21
